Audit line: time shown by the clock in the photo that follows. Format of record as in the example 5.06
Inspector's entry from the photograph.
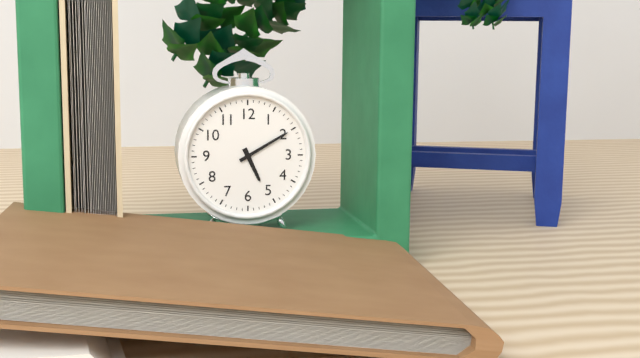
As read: 5.10
